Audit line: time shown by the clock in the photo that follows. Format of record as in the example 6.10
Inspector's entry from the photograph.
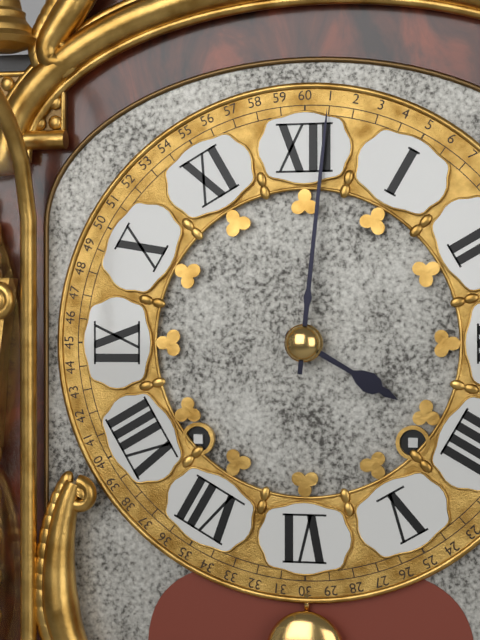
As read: 4.01
